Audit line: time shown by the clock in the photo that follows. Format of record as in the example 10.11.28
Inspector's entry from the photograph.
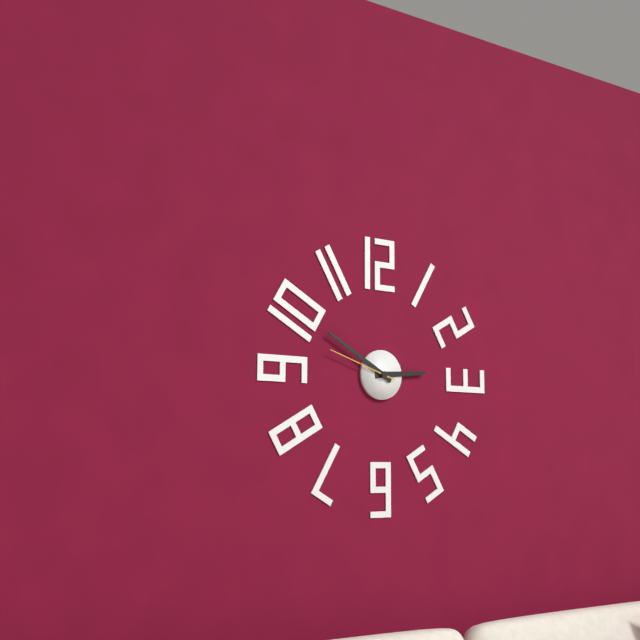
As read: 2.50.48
